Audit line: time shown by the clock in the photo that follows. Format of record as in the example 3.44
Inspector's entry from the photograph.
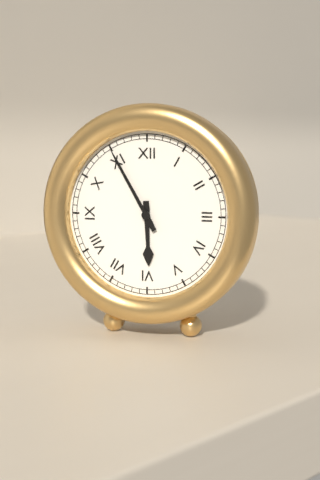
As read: 5.55
